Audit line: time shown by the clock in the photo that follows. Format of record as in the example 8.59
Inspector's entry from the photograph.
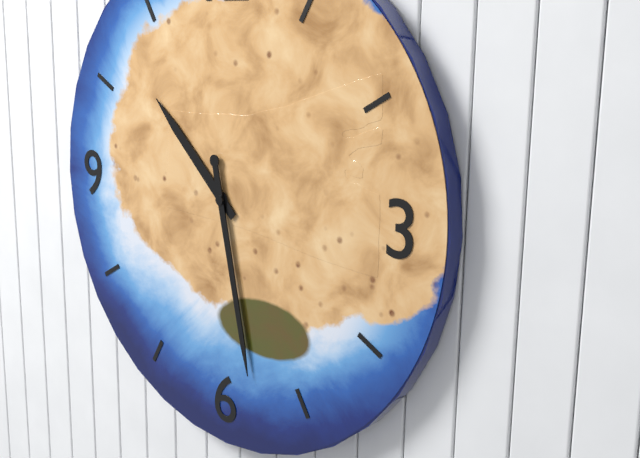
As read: 10.28
